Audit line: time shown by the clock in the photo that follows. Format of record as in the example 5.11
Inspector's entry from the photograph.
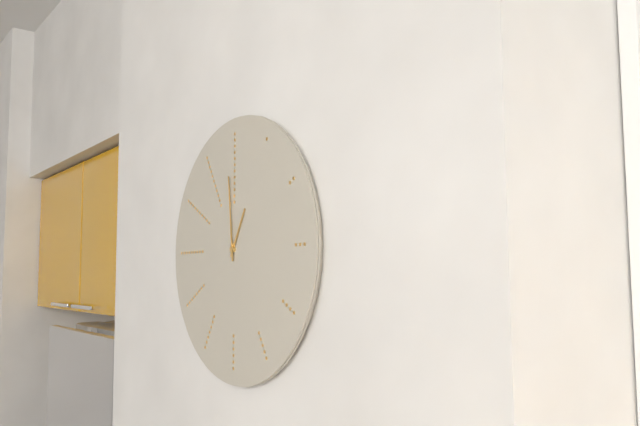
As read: 12.59
